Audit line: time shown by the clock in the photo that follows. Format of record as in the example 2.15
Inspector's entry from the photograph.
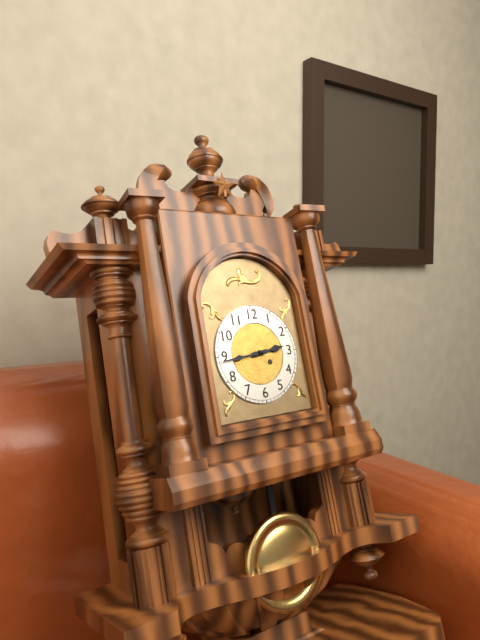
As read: 2.44
